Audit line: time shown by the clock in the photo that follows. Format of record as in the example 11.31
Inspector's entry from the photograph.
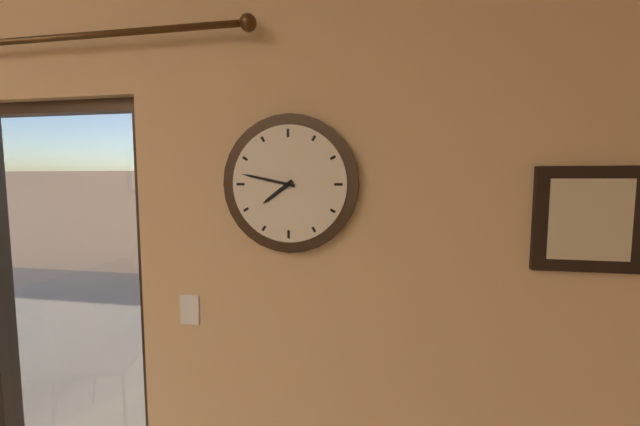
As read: 7.47
